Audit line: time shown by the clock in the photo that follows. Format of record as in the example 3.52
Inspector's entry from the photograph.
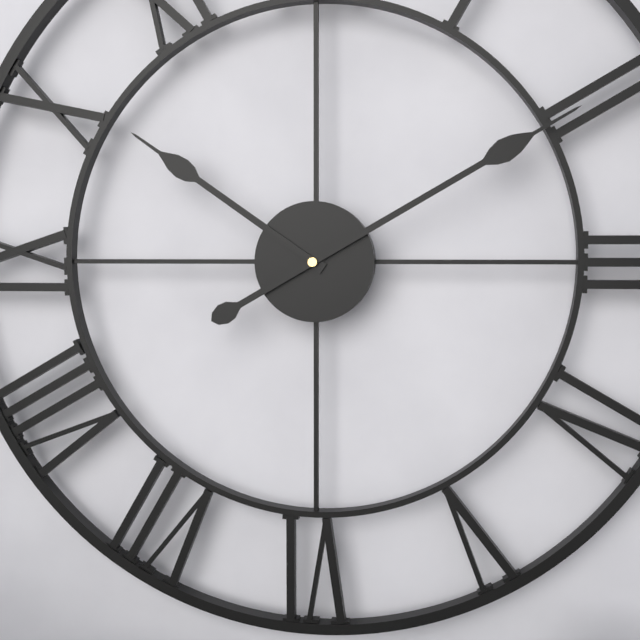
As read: 10.10
